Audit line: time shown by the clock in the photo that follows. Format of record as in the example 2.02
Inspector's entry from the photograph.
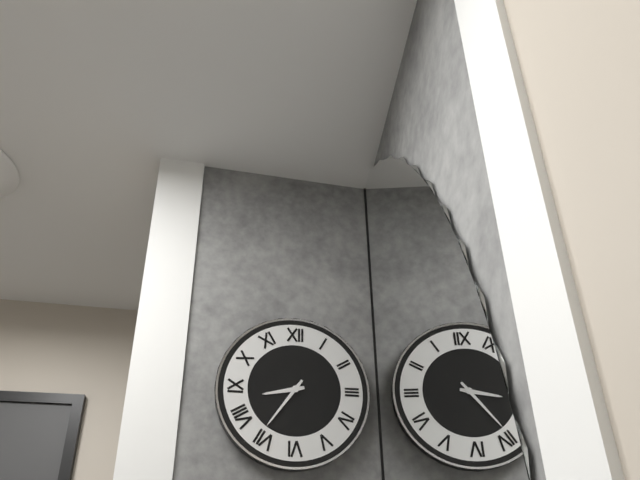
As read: 8.36
